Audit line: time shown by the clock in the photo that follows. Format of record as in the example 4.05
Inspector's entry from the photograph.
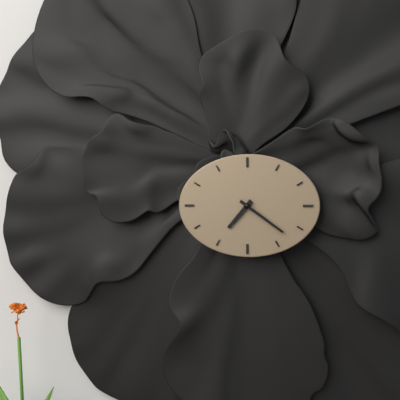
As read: 7.21
